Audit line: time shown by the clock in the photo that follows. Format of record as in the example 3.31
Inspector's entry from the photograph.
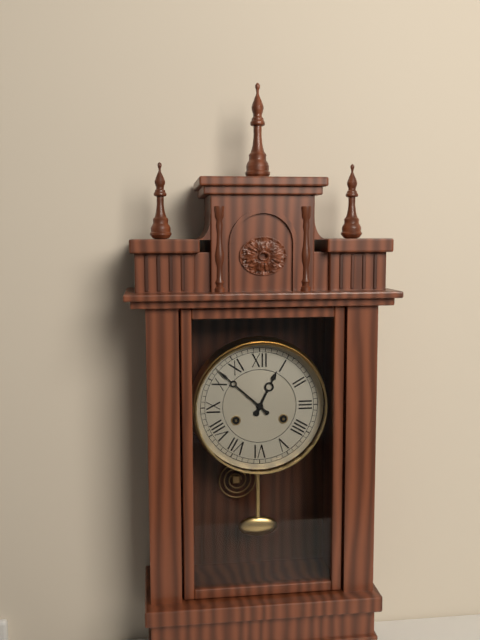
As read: 12.52
